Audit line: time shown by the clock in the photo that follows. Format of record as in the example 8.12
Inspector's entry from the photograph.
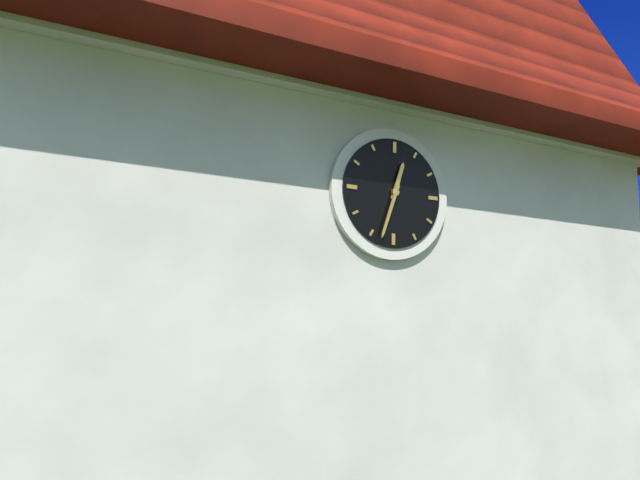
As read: 12.33
